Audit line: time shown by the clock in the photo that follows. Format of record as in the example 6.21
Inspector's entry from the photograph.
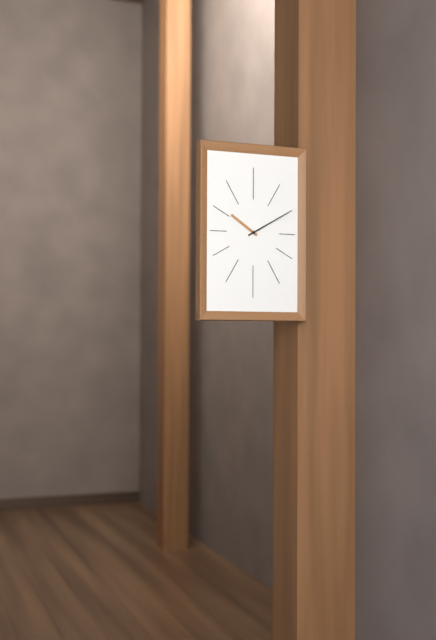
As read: 10.10
